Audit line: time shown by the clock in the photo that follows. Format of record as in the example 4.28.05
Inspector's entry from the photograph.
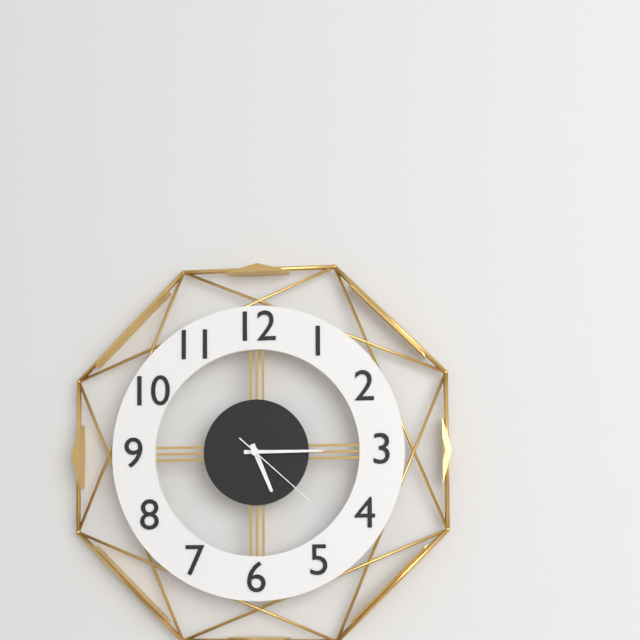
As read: 5.15.22
